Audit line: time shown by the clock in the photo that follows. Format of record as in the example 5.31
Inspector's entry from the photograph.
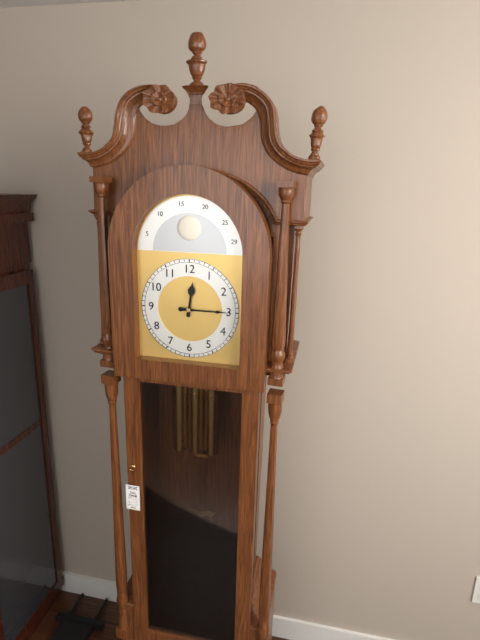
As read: 12.15
